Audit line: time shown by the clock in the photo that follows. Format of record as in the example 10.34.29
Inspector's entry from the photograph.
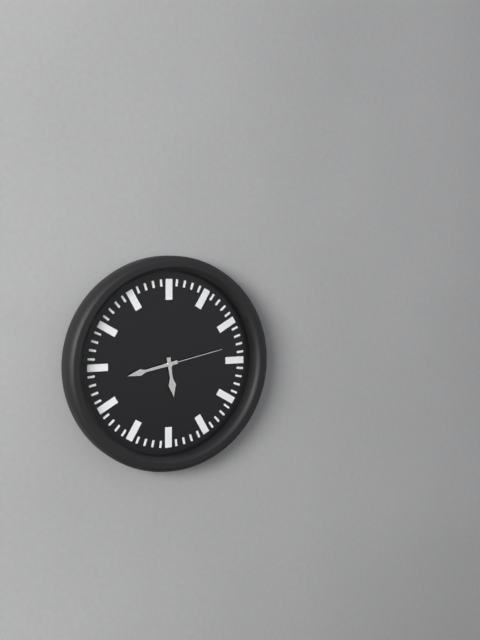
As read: 5.43.13
